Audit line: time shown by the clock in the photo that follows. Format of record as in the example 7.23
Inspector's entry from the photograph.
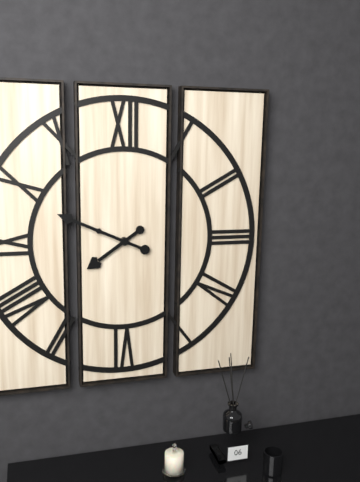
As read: 7.49
